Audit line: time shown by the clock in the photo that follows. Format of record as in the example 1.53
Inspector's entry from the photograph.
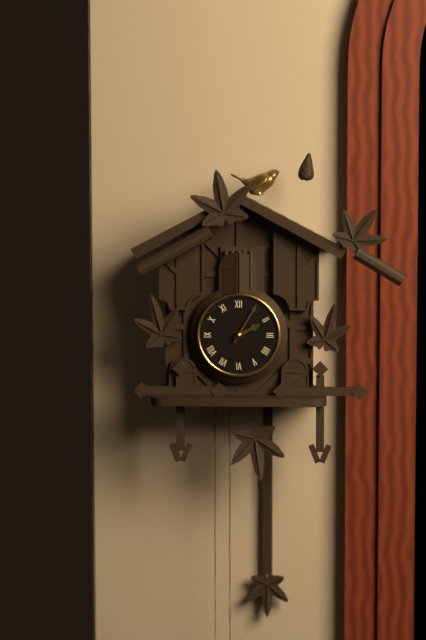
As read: 2.05
